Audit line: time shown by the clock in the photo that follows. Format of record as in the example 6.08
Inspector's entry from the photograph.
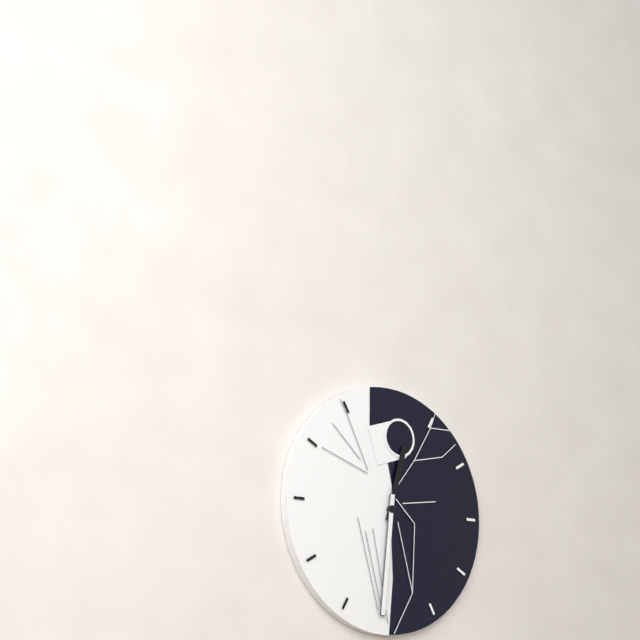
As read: 12.31
